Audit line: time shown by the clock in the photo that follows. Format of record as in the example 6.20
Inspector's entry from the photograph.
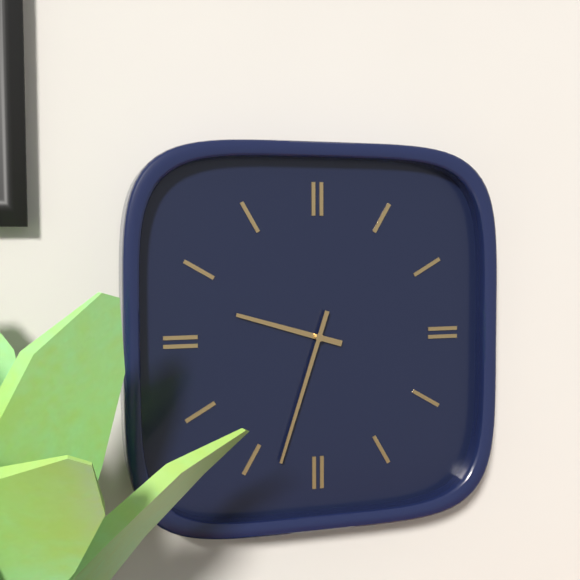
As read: 9.33
